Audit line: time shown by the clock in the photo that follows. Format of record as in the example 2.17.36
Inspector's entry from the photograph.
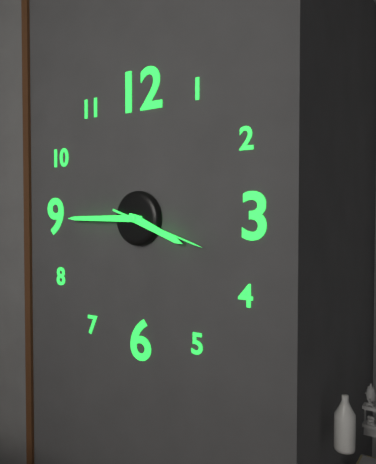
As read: 3.45.18
